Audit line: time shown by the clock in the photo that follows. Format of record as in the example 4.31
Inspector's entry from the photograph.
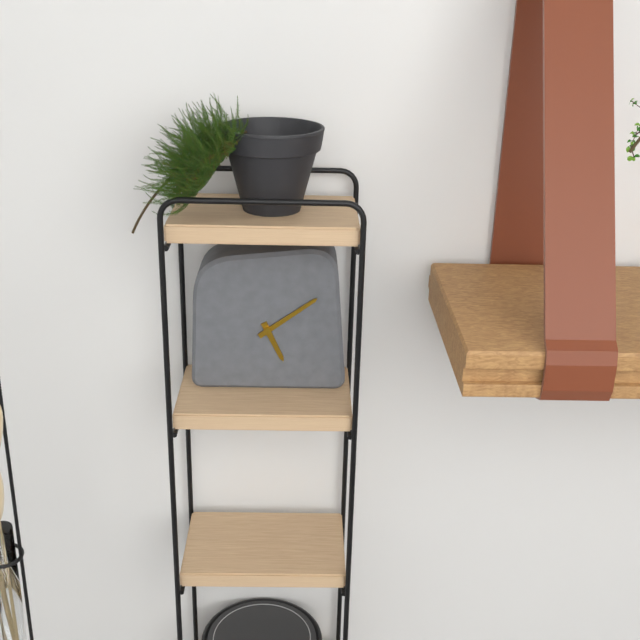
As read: 5.09
